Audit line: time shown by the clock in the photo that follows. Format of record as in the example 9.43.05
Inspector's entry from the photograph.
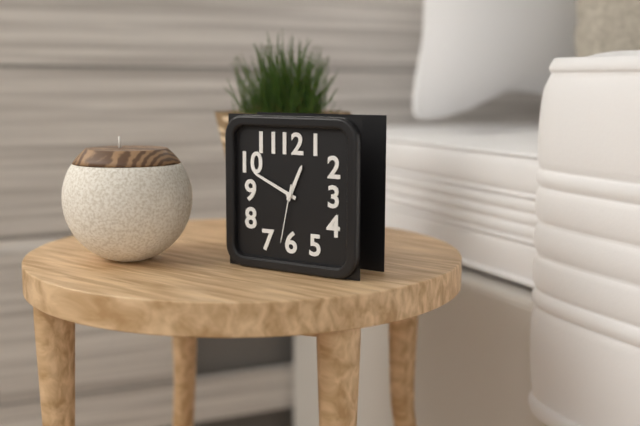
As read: 12.49.32
